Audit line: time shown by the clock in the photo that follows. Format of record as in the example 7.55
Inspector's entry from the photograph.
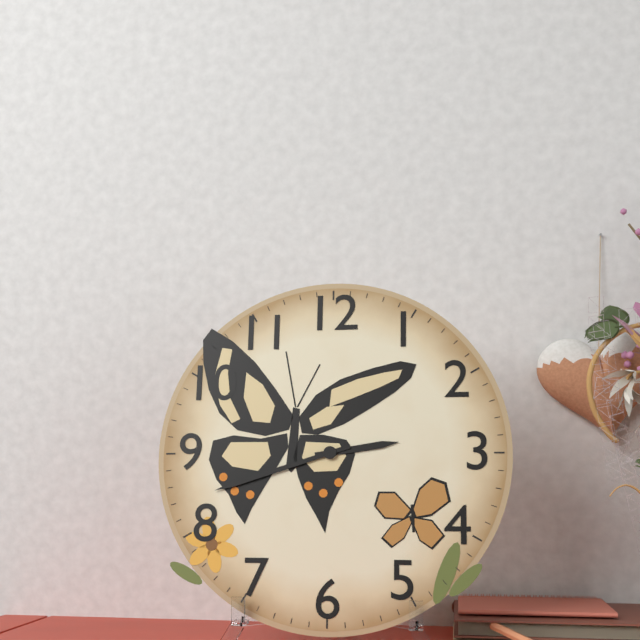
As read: 2.42
